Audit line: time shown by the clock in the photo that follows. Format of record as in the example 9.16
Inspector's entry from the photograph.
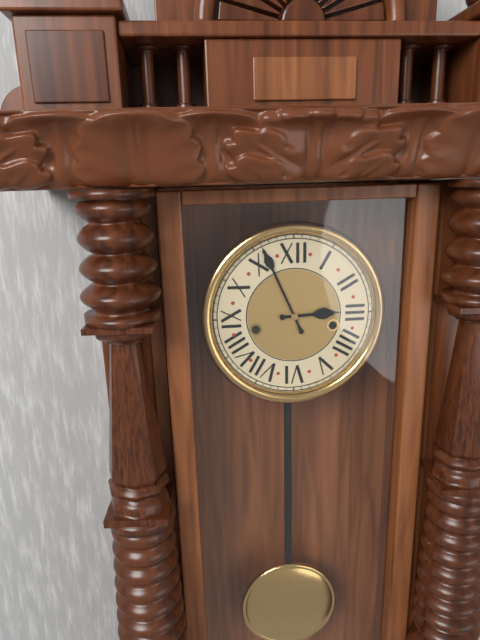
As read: 2.56
